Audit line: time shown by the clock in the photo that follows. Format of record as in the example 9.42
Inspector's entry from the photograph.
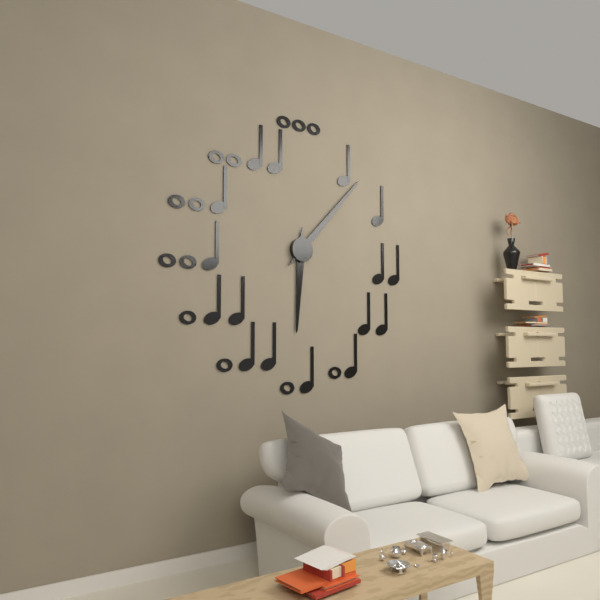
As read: 6.07
